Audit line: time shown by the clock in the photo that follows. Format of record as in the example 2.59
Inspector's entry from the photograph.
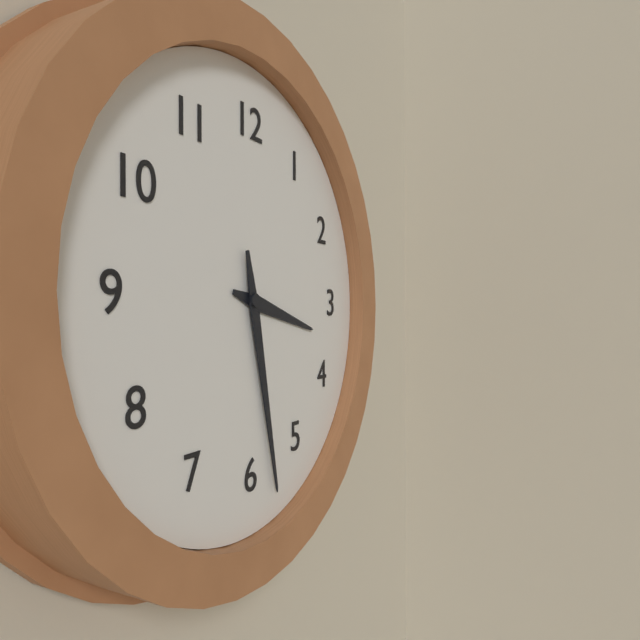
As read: 3.28
